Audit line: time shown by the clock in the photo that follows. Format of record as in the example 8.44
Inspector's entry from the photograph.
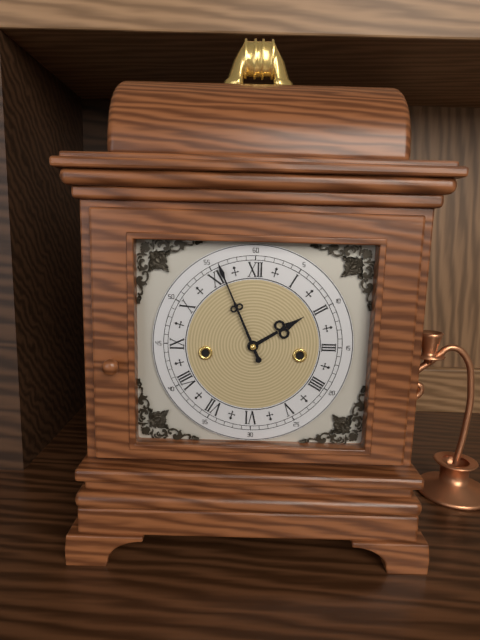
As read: 1.56
